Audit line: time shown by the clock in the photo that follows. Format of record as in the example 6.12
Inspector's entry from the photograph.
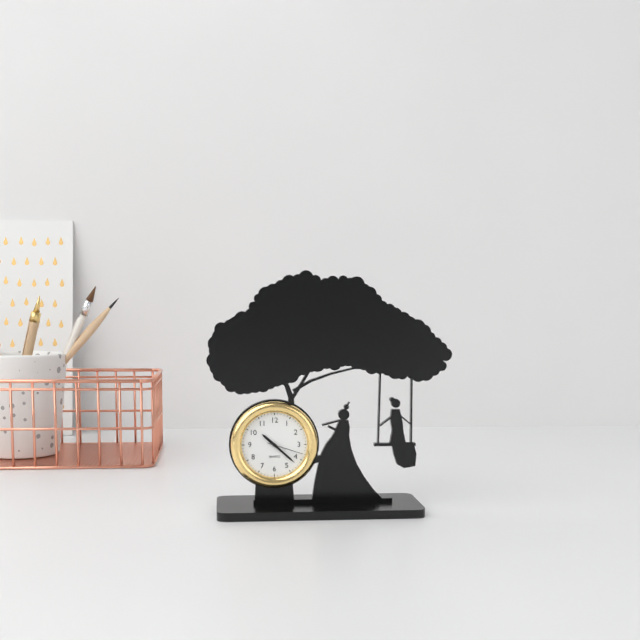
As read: 10.22
